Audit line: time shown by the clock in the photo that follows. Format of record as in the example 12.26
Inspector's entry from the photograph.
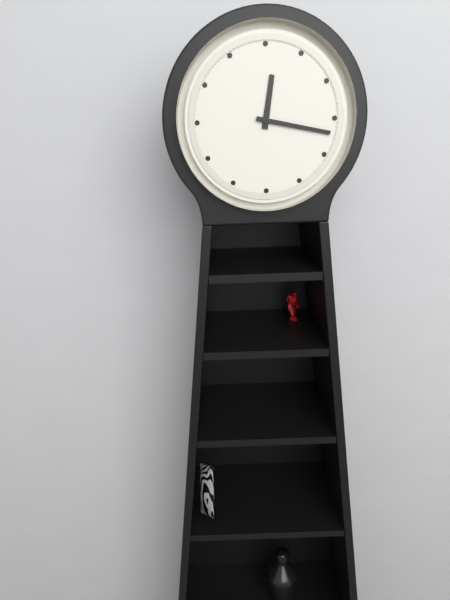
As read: 12.17
